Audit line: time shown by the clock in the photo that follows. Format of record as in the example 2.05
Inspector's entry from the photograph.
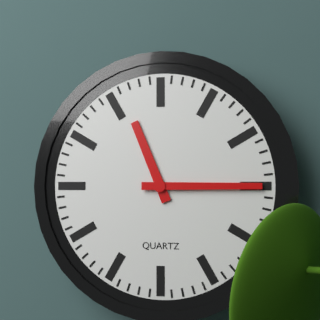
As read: 11.15
